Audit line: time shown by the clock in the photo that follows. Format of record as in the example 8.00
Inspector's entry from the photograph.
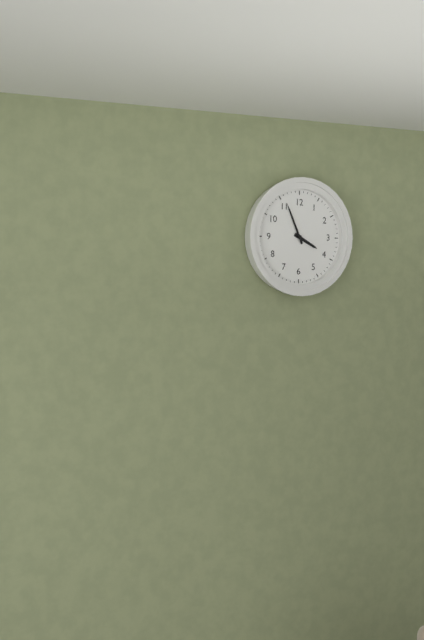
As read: 3.56
